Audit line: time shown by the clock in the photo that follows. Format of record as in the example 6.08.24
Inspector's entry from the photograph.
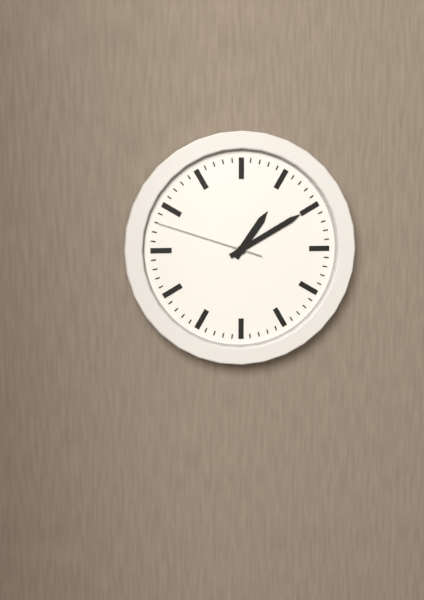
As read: 1.10.48
